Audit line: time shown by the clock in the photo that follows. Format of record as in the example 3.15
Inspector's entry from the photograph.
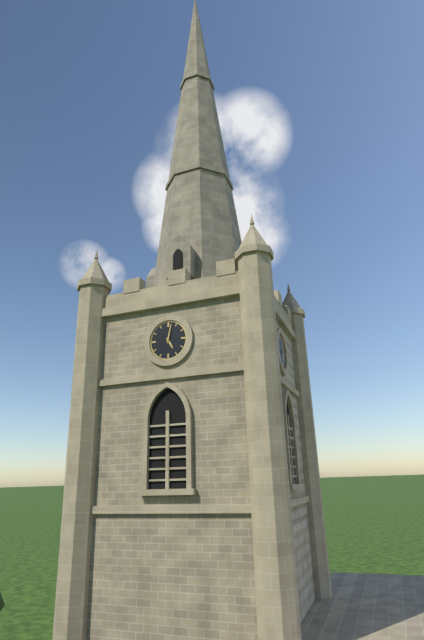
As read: 5.02
